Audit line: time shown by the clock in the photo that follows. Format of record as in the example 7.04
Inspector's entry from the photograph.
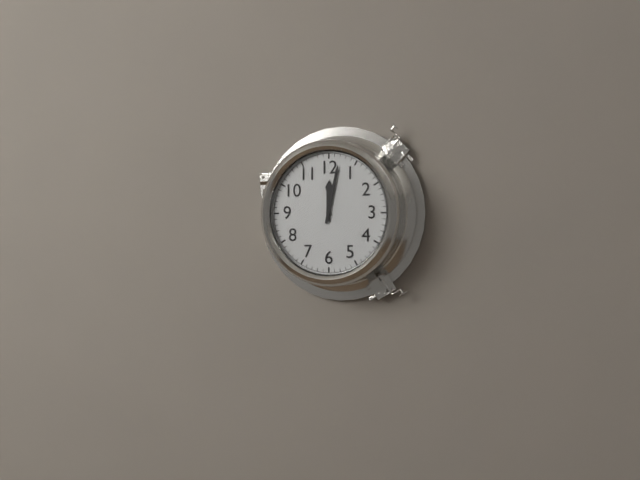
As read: 12.02
